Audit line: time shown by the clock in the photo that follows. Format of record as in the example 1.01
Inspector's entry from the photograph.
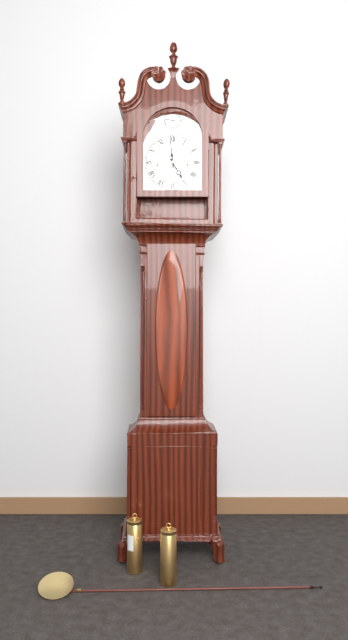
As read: 4.59
